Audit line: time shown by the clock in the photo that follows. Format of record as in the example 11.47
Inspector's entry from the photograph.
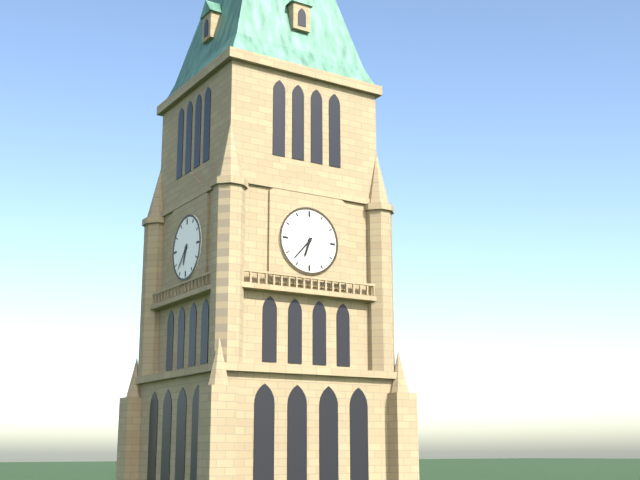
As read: 6.37
